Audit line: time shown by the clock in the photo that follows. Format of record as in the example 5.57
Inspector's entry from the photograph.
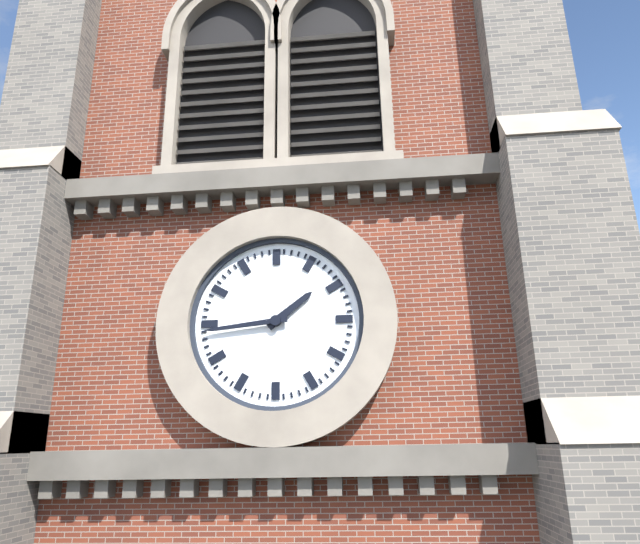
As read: 1.44
